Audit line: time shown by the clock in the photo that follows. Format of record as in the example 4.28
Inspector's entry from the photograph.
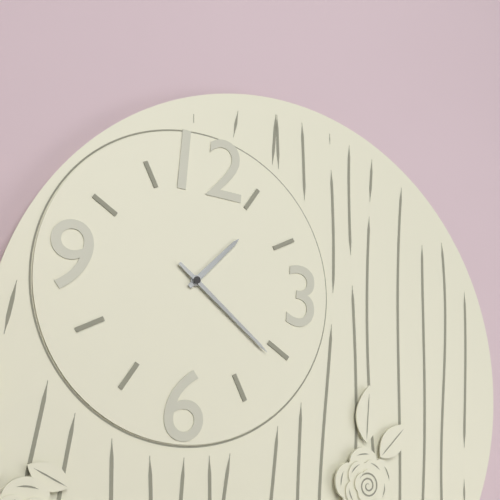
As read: 1.21
